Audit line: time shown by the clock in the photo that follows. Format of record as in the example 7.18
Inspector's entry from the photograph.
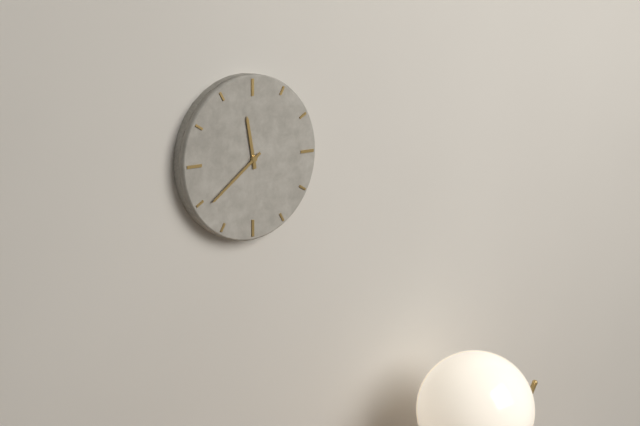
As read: 11.39
